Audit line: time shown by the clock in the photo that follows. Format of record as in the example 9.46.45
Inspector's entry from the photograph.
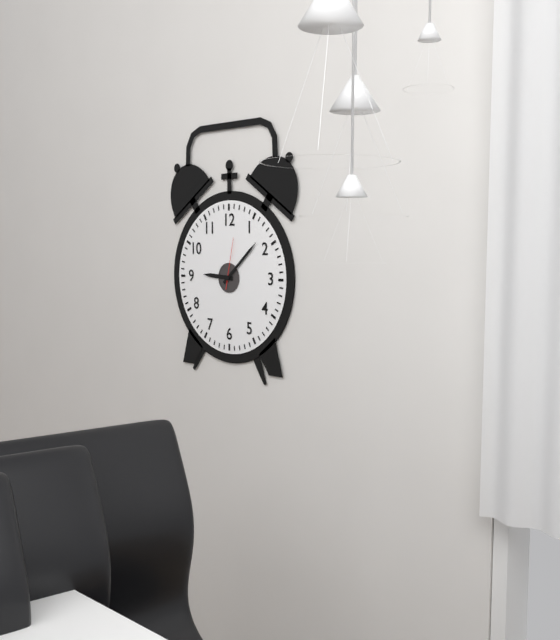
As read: 9.08.02
